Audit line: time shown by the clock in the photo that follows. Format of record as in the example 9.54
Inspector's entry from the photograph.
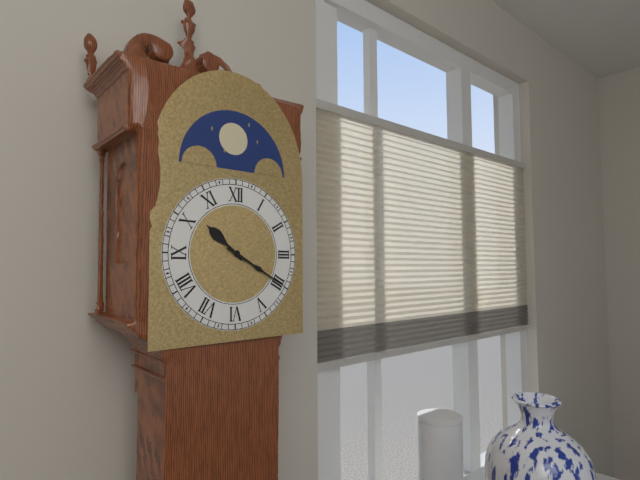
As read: 10.20
